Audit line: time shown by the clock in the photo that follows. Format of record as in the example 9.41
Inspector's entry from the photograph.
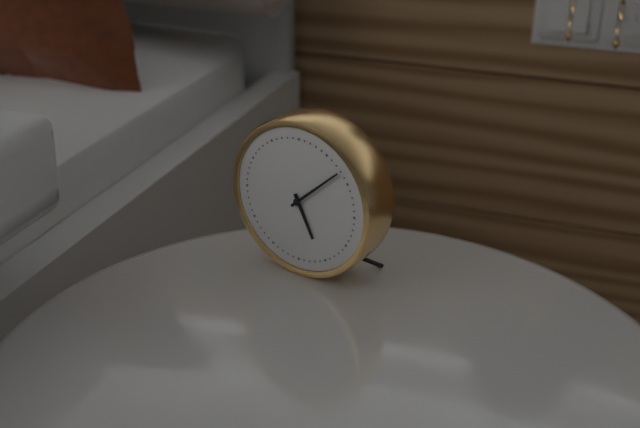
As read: 5.08
